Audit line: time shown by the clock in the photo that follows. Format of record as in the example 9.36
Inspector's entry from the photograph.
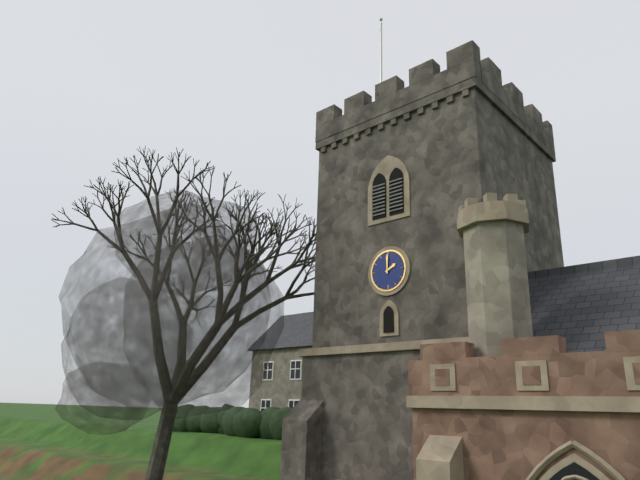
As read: 2.00
